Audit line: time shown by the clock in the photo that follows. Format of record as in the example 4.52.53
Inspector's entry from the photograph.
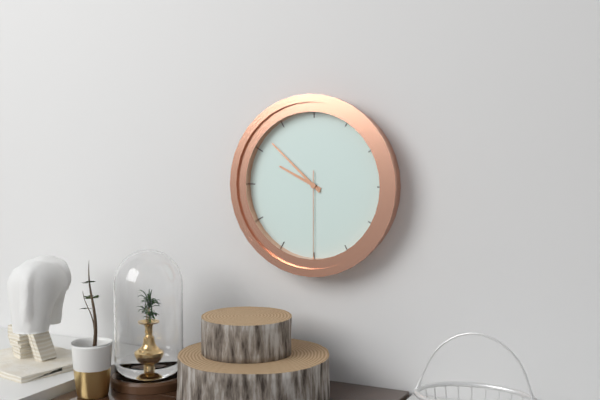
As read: 9.52.30
